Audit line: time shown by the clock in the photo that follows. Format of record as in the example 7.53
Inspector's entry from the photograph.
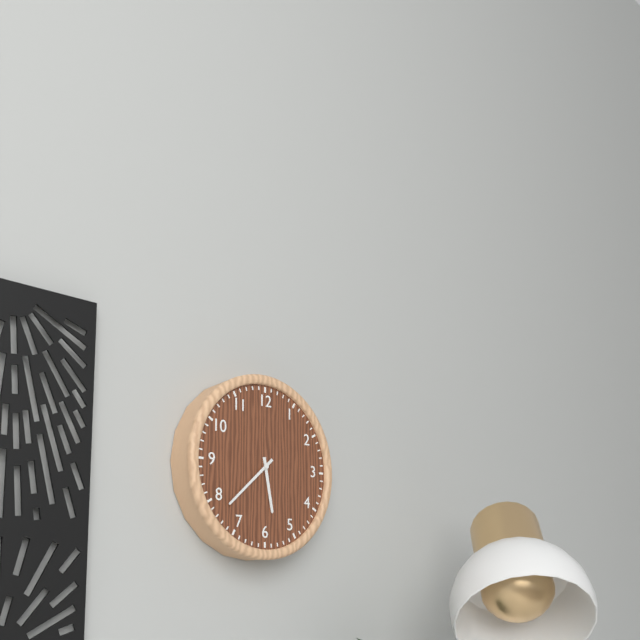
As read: 5.38
